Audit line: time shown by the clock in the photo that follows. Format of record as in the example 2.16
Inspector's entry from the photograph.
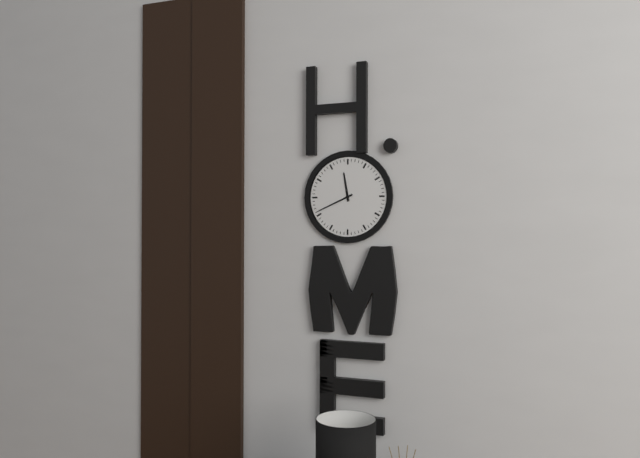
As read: 11.41
